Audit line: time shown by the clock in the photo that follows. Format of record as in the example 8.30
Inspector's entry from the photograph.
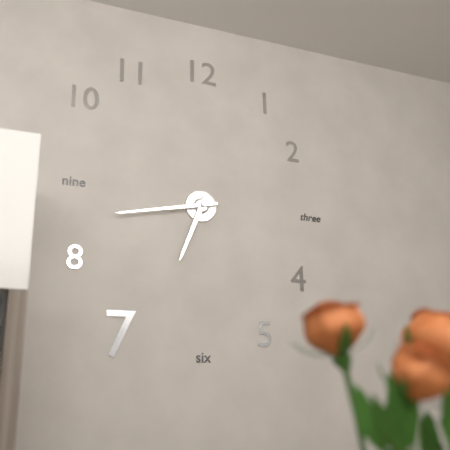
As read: 6.43
